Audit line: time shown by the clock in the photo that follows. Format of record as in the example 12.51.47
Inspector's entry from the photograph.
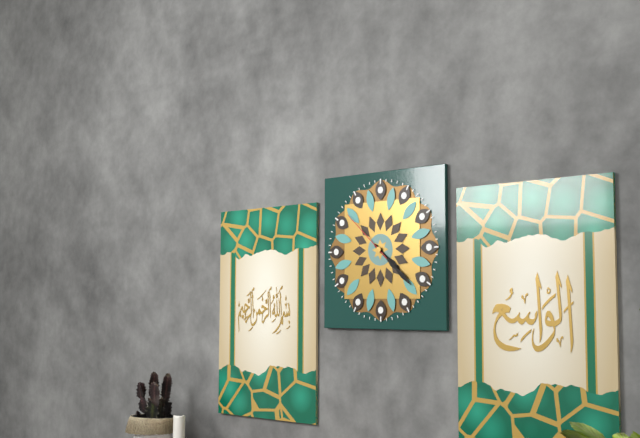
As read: 4.22.52
